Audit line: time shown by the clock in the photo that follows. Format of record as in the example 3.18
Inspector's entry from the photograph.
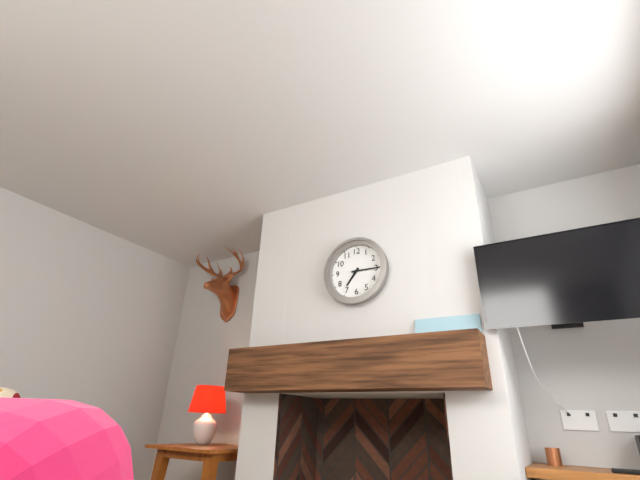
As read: 7.15
